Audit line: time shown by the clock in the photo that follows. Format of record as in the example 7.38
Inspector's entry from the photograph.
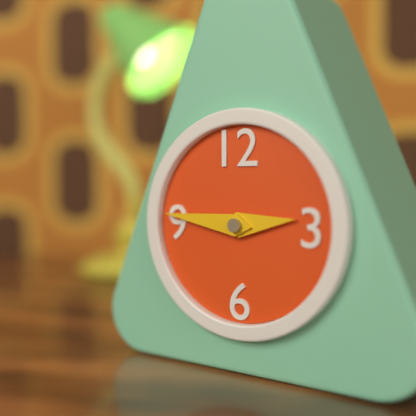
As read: 2.46
